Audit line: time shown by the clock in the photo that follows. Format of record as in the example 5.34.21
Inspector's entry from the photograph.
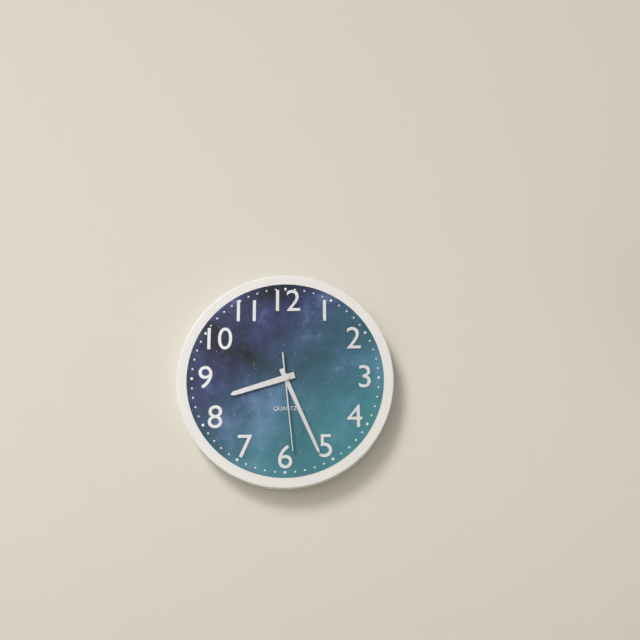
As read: 8.26.29
